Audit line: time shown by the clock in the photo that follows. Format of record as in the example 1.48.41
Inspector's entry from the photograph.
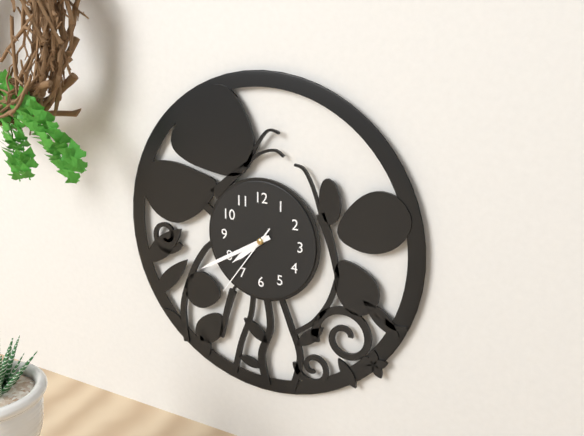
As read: 7.40.36
